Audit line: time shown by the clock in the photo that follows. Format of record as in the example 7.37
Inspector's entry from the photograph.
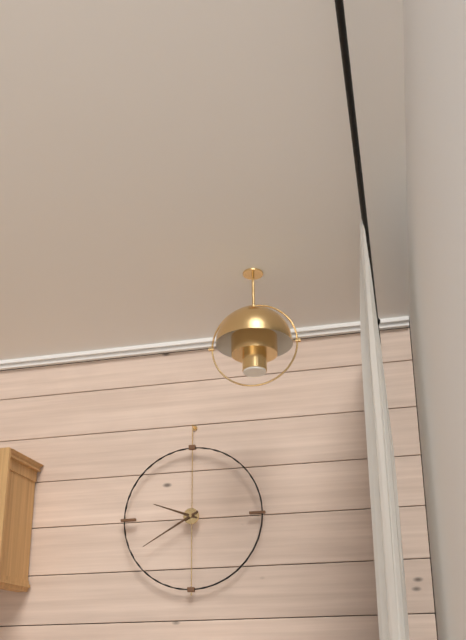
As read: 9.40
